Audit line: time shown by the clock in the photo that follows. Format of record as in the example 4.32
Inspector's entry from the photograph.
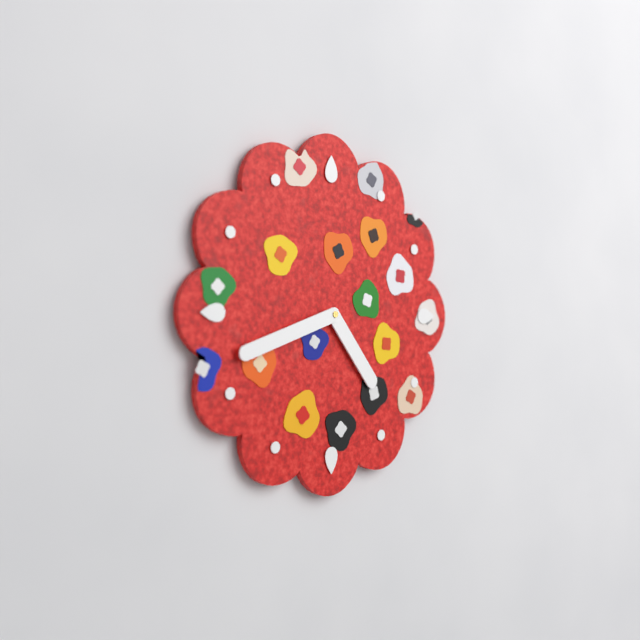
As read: 4.42
